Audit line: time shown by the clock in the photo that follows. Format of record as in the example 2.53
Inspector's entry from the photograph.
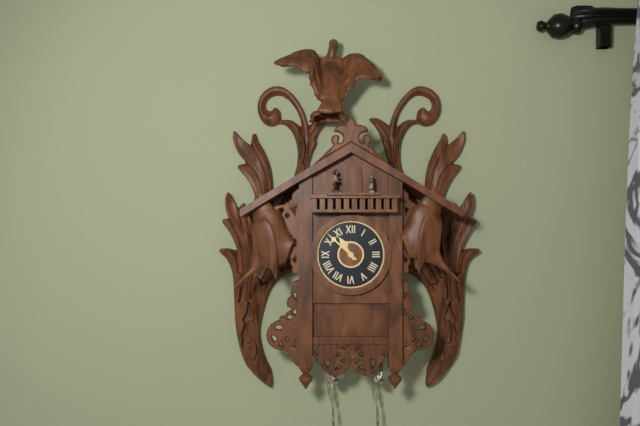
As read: 10.52
